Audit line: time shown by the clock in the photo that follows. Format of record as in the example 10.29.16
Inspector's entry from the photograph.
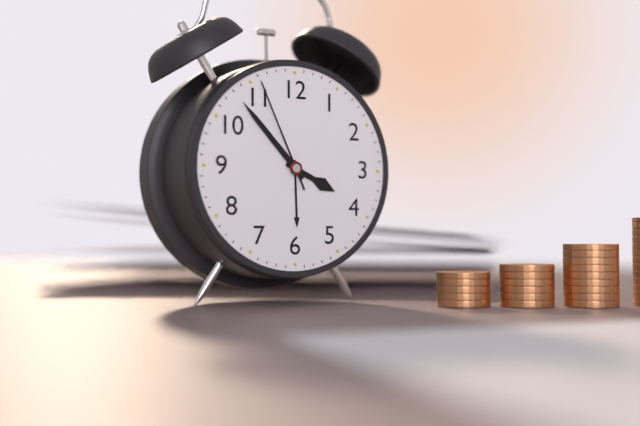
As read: 3.53.56
